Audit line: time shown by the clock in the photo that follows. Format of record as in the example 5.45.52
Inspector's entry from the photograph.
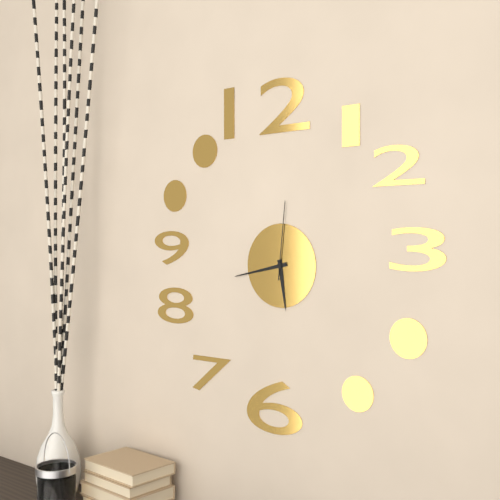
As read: 5.43.01
